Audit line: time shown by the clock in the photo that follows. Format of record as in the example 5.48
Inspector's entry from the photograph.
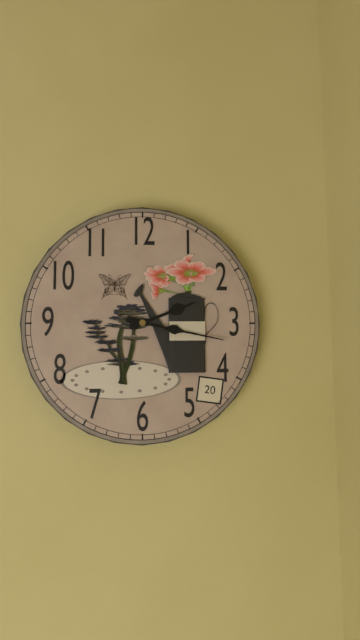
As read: 2.17
